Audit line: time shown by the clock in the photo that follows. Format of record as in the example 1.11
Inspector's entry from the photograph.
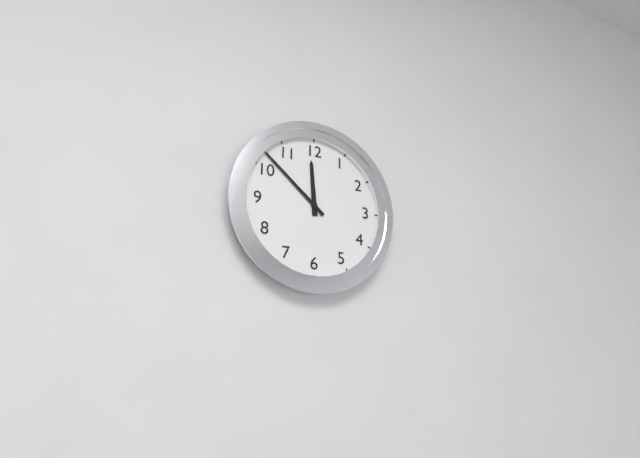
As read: 11.52
